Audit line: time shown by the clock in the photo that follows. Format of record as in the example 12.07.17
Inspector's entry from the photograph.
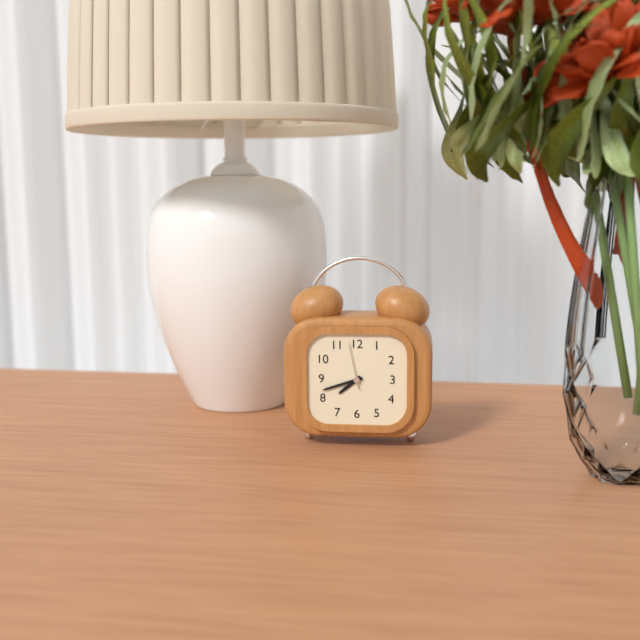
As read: 7.42.58
